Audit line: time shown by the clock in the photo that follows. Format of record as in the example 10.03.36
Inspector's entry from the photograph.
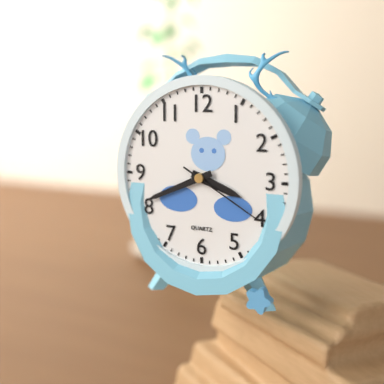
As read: 3.41.20
